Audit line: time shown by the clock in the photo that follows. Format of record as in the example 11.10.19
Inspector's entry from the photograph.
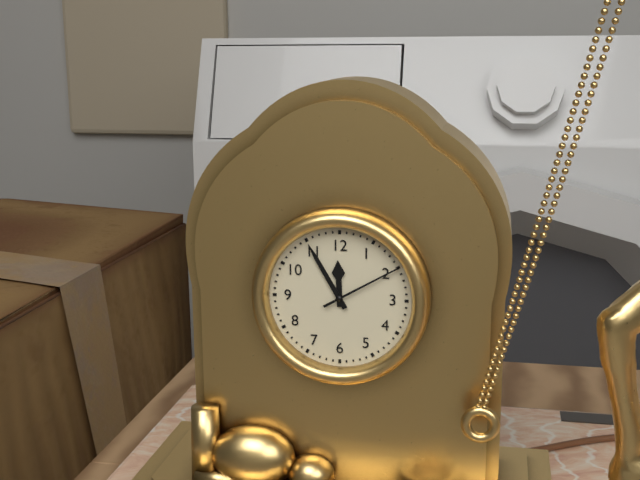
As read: 11.55.10
